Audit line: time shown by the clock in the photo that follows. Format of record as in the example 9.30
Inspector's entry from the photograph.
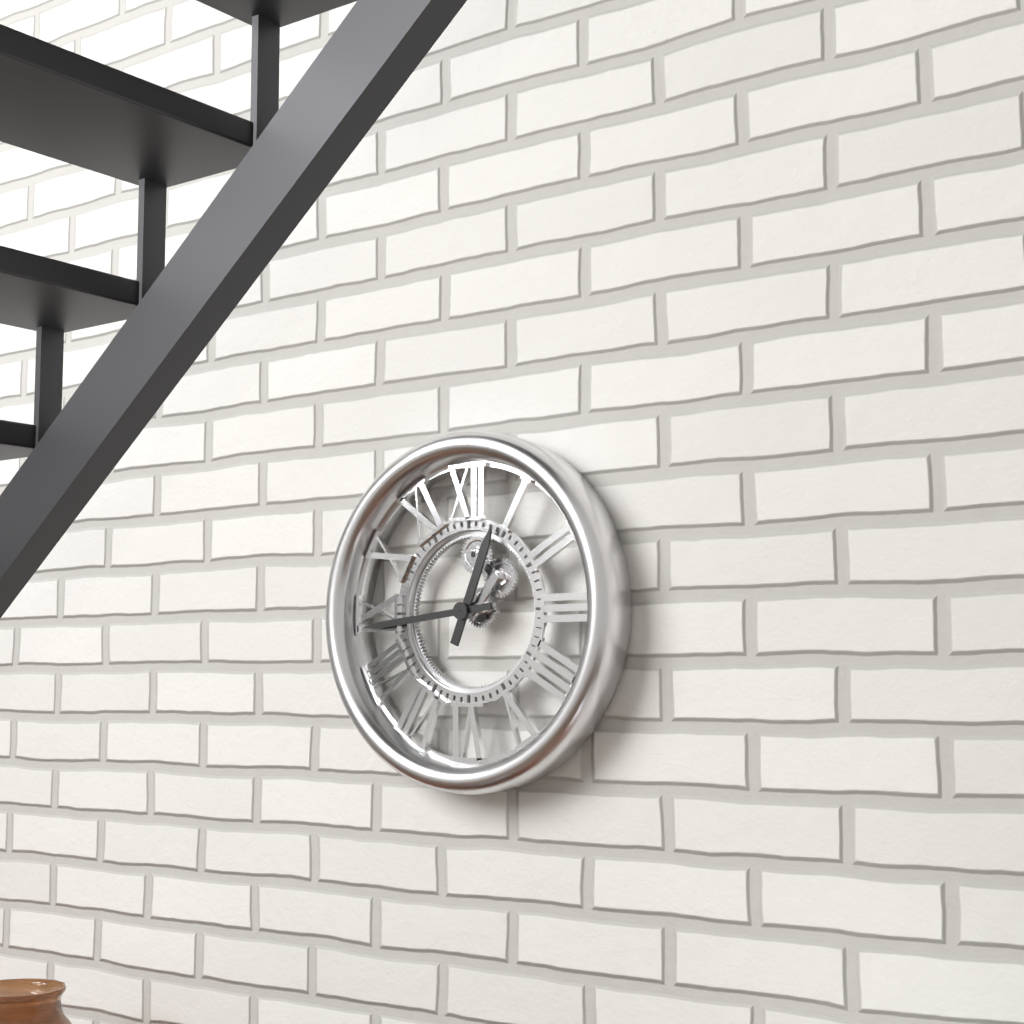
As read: 12.44
